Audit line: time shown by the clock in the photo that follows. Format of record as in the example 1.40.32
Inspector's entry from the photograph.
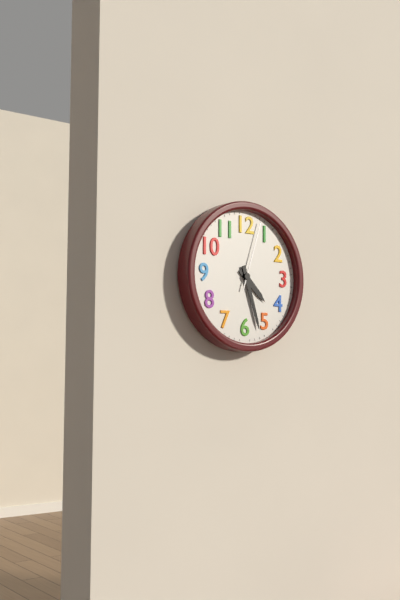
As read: 4.27.03
